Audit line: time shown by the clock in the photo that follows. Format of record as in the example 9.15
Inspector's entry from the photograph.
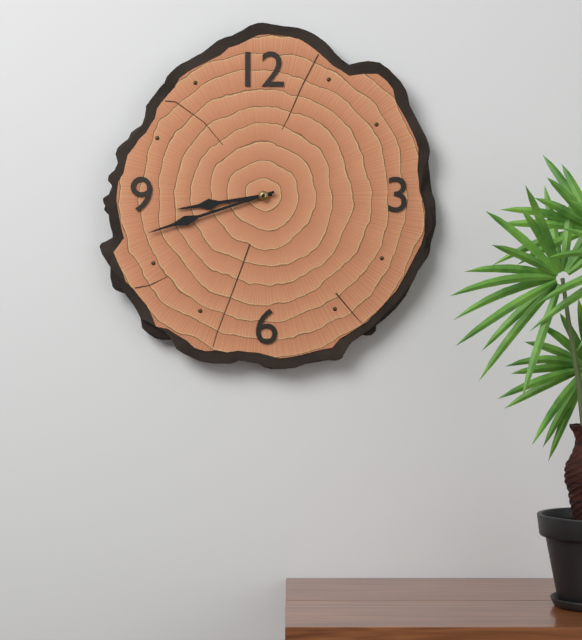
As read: 8.42
